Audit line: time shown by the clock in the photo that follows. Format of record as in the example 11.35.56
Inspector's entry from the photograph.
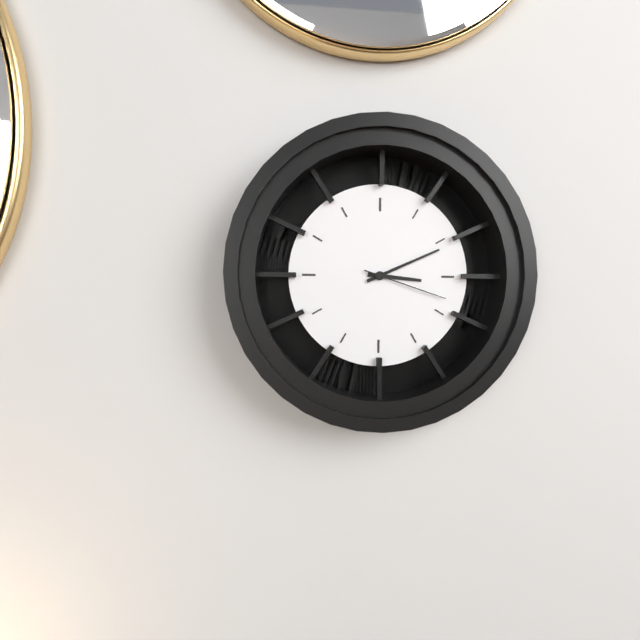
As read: 3.11.18
